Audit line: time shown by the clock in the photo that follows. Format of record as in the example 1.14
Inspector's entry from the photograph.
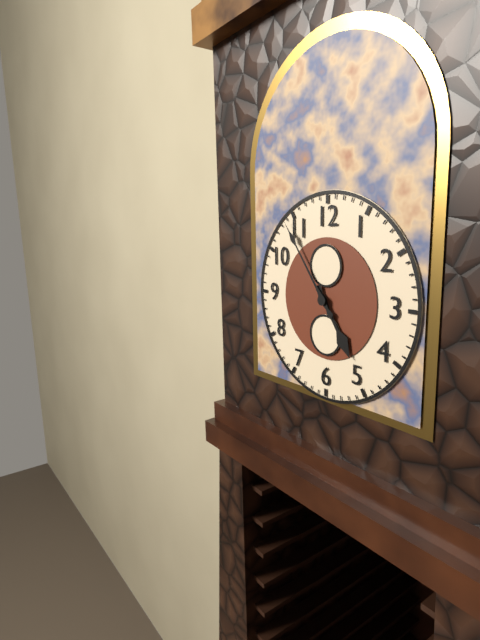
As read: 4.54
